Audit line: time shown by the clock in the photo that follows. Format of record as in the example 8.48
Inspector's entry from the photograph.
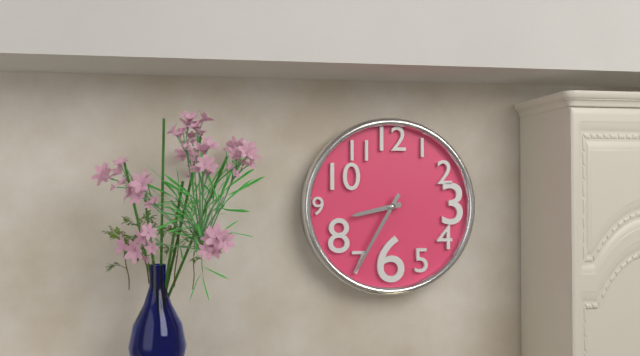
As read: 8.35
